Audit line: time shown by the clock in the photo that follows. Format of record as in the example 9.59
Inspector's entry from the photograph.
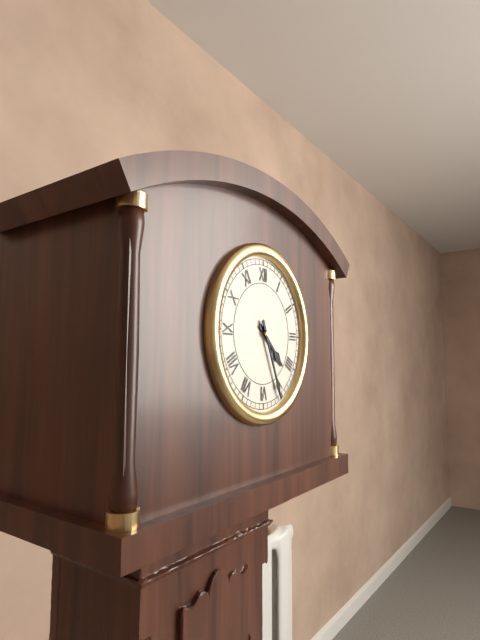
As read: 4.26
